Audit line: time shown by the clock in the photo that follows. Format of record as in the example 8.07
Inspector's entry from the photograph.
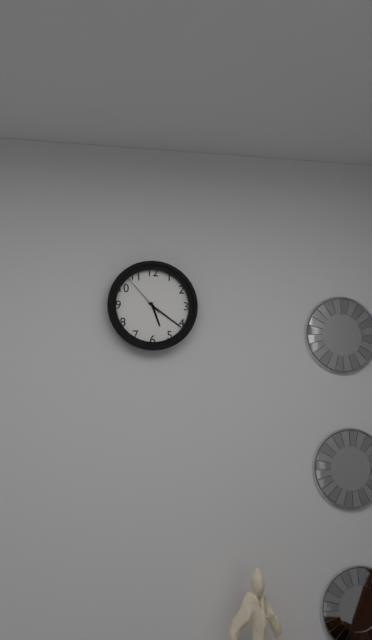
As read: 5.21
